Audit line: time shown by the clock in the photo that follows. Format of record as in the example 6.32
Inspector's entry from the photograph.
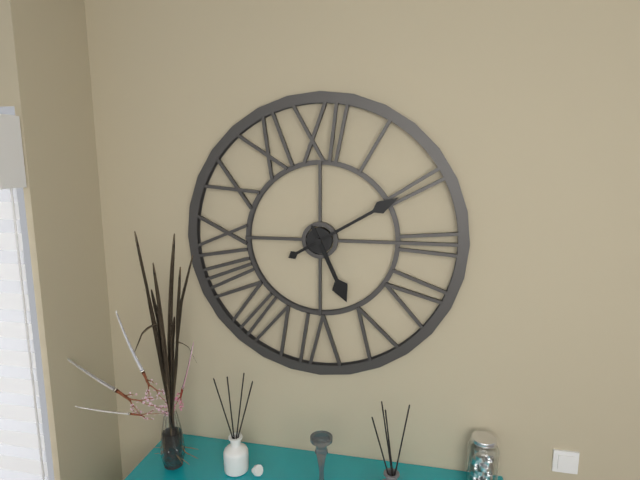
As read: 5.10
